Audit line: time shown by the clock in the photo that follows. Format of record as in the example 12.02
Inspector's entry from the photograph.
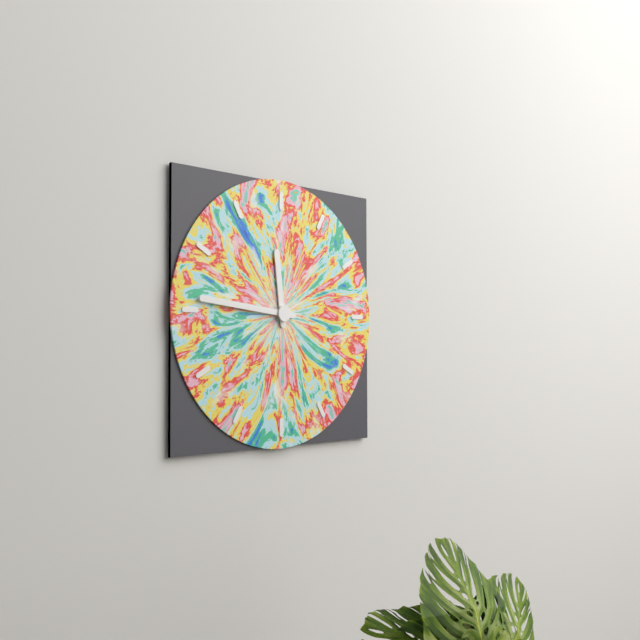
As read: 11.46
